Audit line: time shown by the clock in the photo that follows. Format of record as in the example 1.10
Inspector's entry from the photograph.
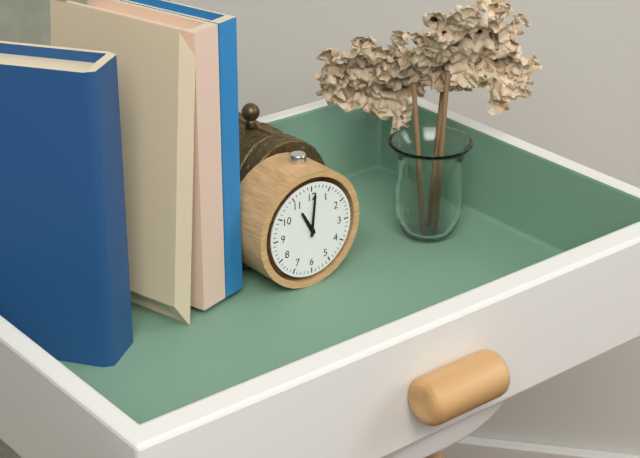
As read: 11.01
